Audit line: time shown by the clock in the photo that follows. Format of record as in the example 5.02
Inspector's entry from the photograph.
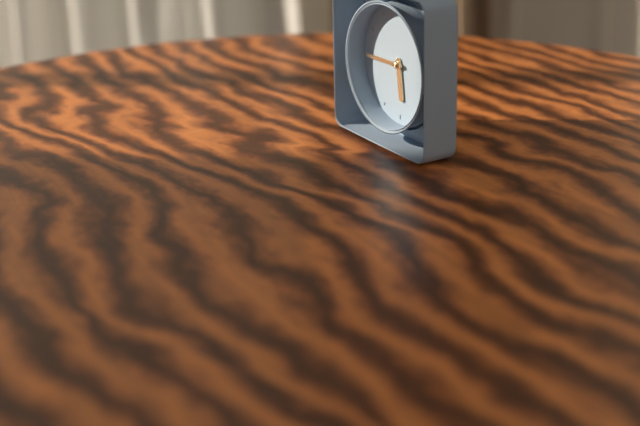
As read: 5.45
